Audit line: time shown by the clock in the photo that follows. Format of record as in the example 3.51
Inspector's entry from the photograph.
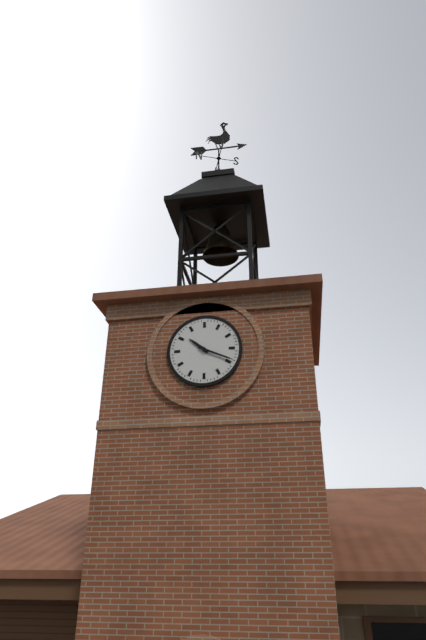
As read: 10.19
